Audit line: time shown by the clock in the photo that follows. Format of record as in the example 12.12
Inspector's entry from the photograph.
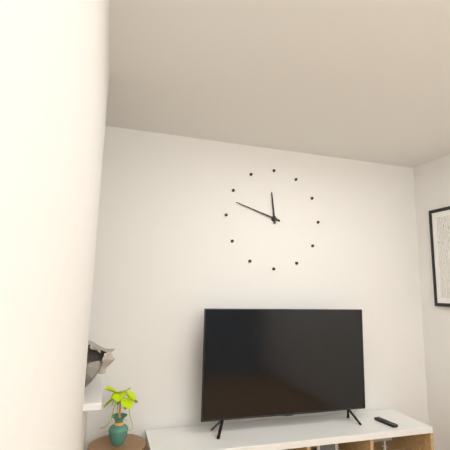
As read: 11.48
